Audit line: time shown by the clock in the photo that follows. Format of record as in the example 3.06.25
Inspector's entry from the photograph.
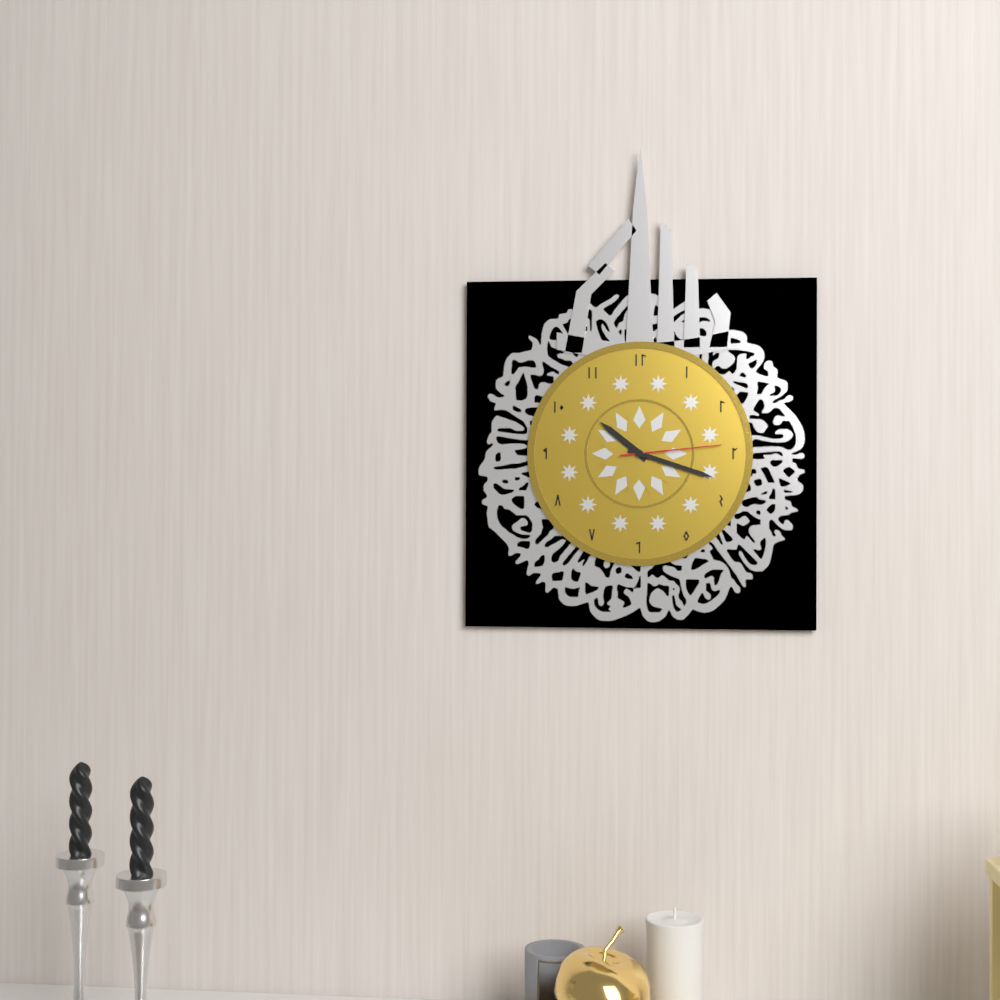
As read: 10.18.14
